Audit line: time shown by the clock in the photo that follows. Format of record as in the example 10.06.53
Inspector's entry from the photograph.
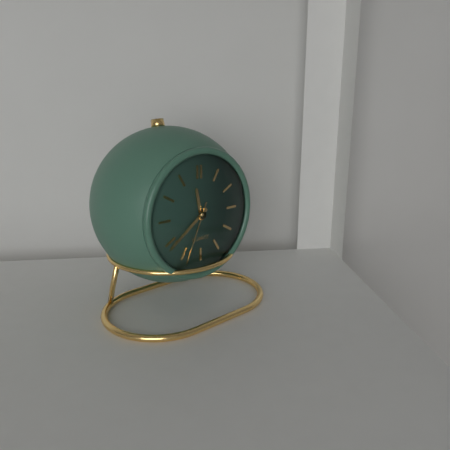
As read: 11.39.34
